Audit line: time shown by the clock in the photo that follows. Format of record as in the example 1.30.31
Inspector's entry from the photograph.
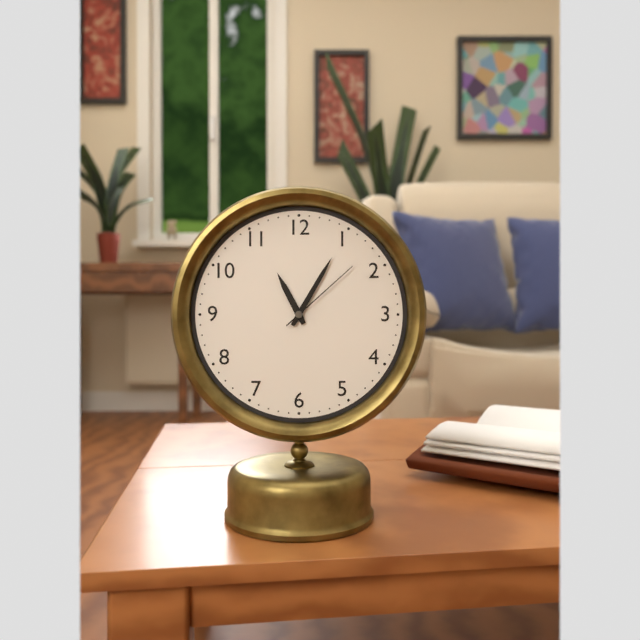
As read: 11.05.08
